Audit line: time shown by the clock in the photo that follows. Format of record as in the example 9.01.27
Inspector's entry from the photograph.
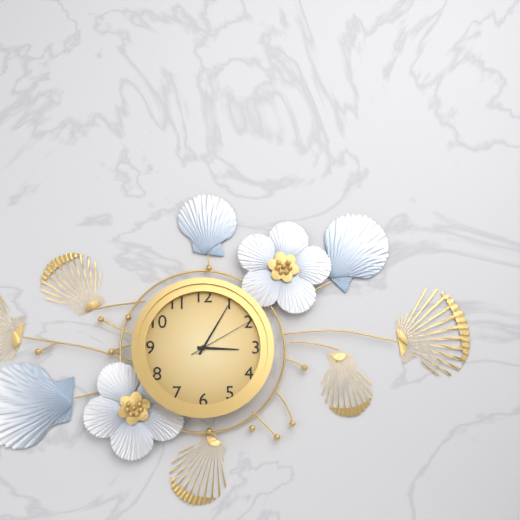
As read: 3.05.10
